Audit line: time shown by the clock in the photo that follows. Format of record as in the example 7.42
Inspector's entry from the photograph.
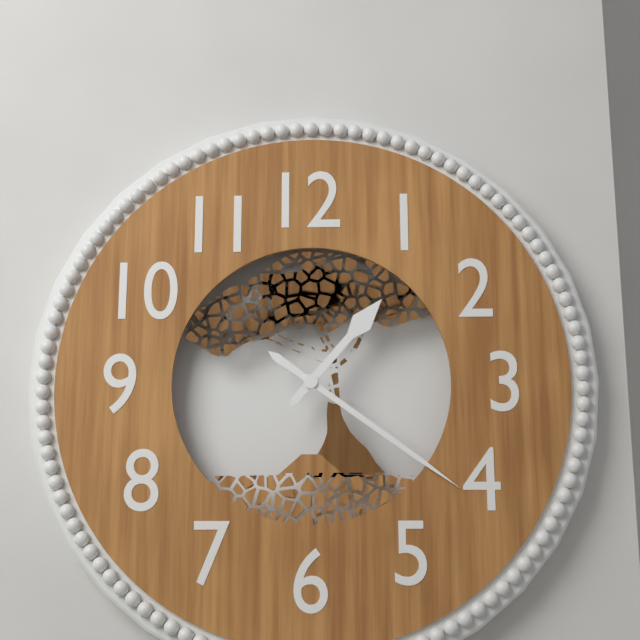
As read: 1.21
